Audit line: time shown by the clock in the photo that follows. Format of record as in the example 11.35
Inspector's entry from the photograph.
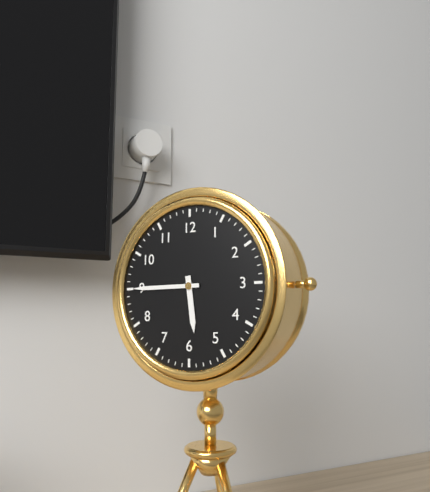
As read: 5.45
